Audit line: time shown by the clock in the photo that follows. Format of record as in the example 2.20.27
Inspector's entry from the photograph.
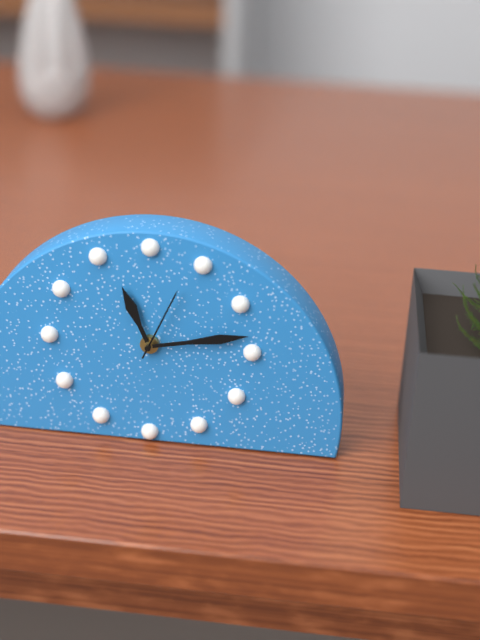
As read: 11.13.04
